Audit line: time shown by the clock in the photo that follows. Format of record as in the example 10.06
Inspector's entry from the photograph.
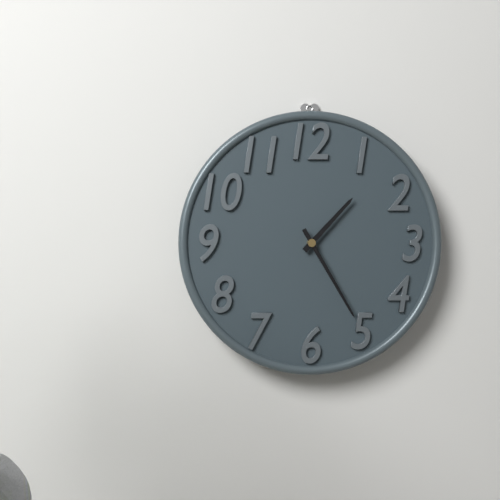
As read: 1.25
